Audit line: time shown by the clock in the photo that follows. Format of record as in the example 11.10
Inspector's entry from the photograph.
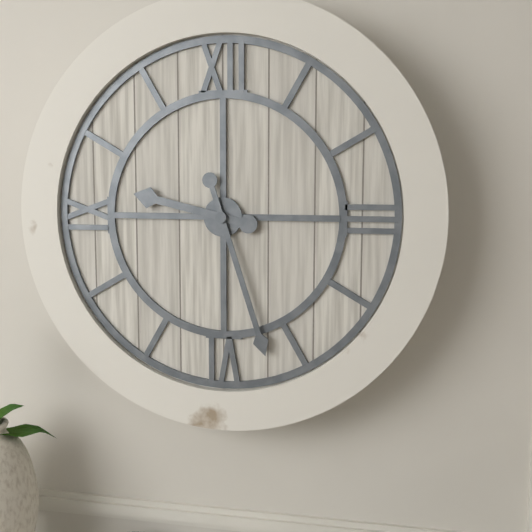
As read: 9.27
